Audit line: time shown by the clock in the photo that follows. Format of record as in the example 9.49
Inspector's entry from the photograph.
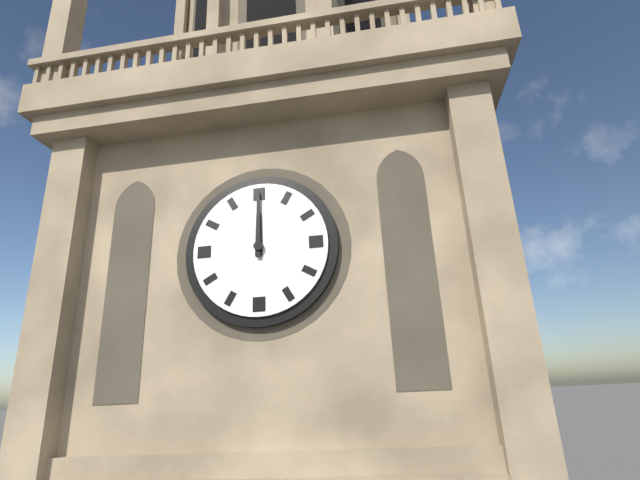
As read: 12.00
